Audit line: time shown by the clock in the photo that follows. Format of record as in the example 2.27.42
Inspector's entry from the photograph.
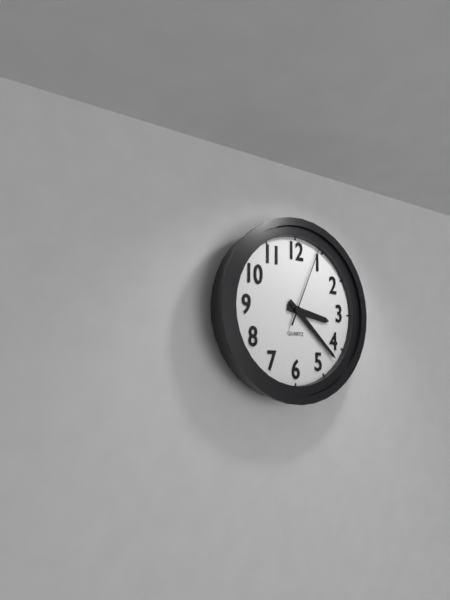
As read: 3.22.04
